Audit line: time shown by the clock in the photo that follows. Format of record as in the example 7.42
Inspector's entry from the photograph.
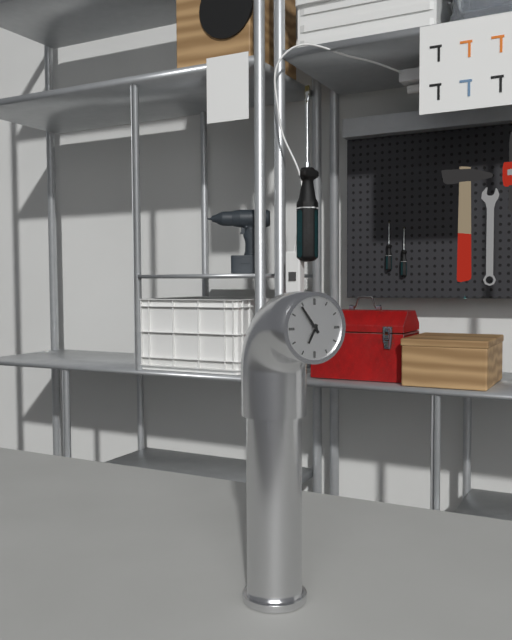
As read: 6.54
